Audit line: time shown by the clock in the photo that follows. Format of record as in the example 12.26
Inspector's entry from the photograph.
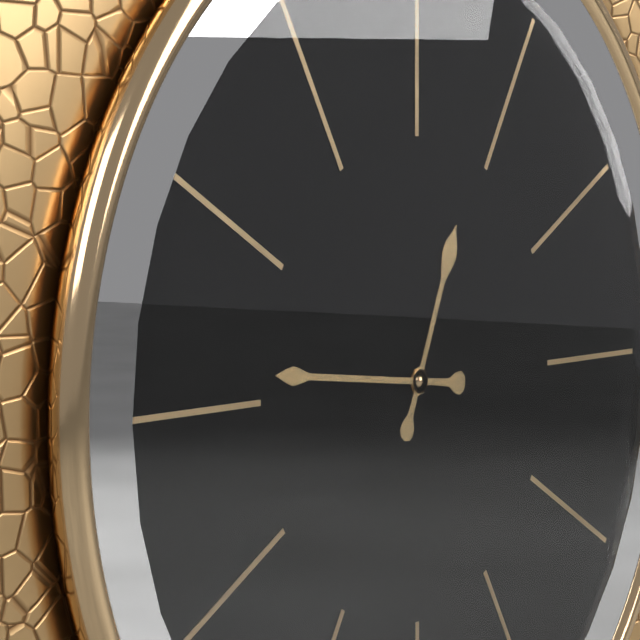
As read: 12.46
